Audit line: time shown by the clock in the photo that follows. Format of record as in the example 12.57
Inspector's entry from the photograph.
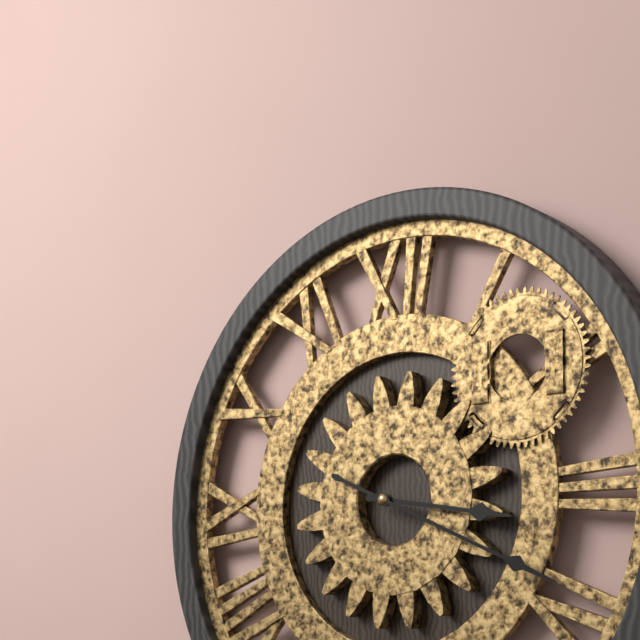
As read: 3.19
